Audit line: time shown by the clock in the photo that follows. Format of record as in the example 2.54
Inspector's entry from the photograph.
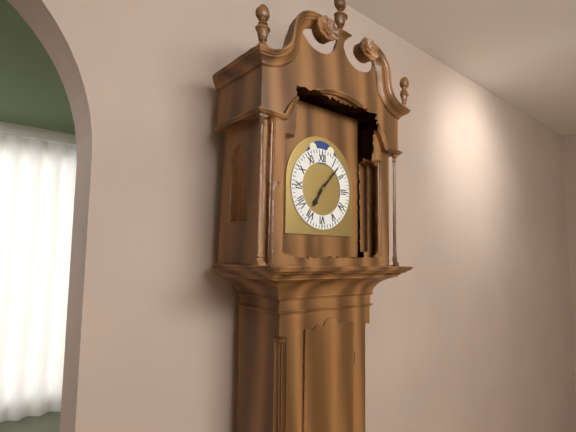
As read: 7.07
